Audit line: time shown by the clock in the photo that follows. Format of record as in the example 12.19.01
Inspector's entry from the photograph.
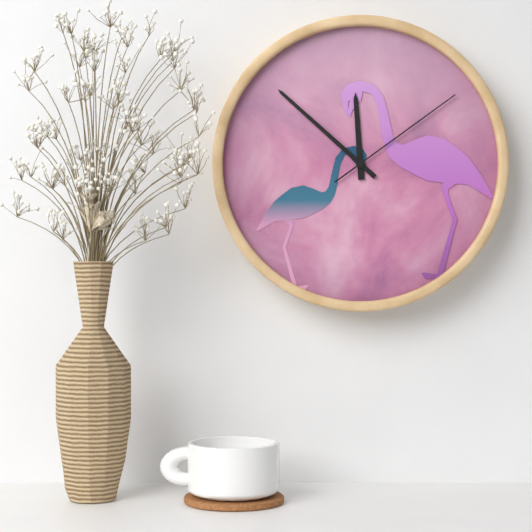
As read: 11.52.09
